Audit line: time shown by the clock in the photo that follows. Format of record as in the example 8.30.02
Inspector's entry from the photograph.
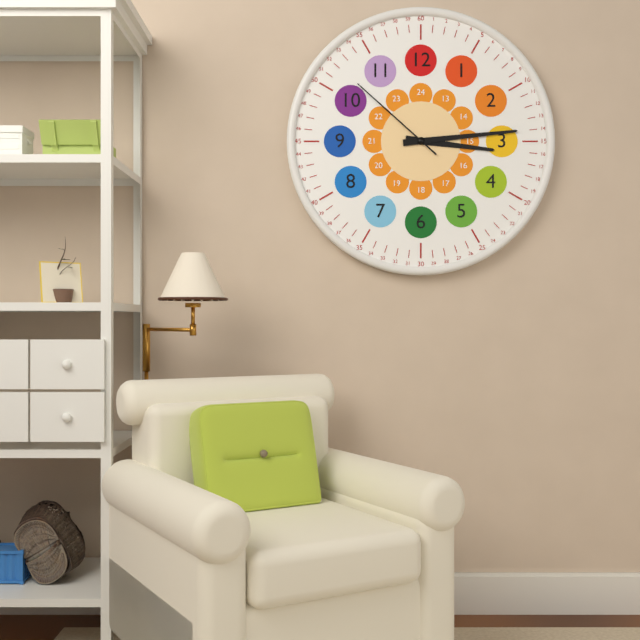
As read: 3.14.52
